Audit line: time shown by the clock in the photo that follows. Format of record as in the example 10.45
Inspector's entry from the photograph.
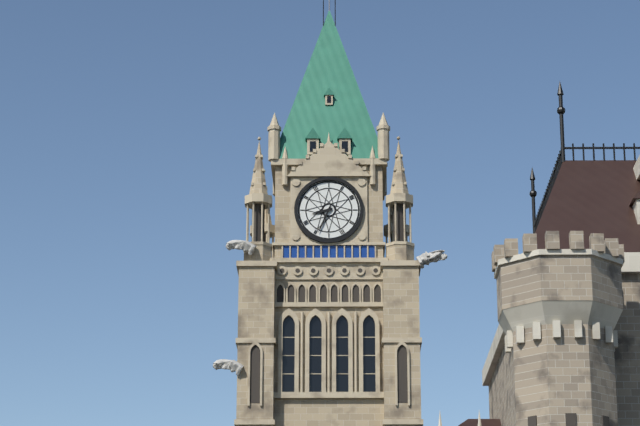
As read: 8.34
